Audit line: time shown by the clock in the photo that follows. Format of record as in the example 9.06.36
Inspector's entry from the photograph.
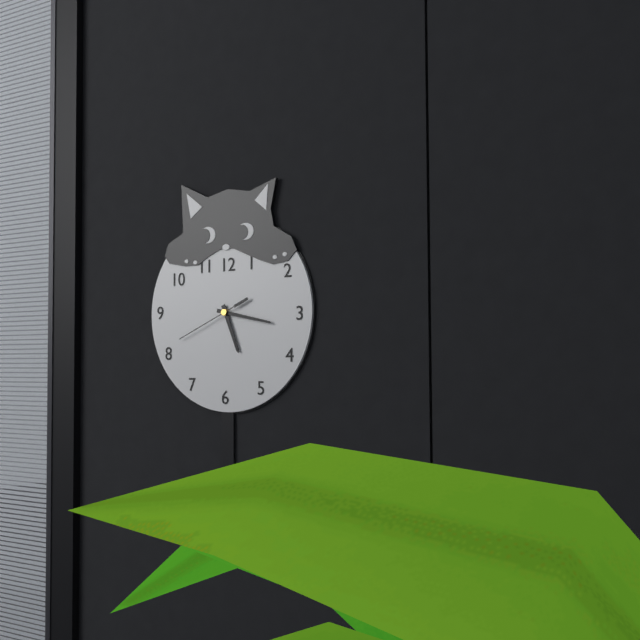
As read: 5.17.41
